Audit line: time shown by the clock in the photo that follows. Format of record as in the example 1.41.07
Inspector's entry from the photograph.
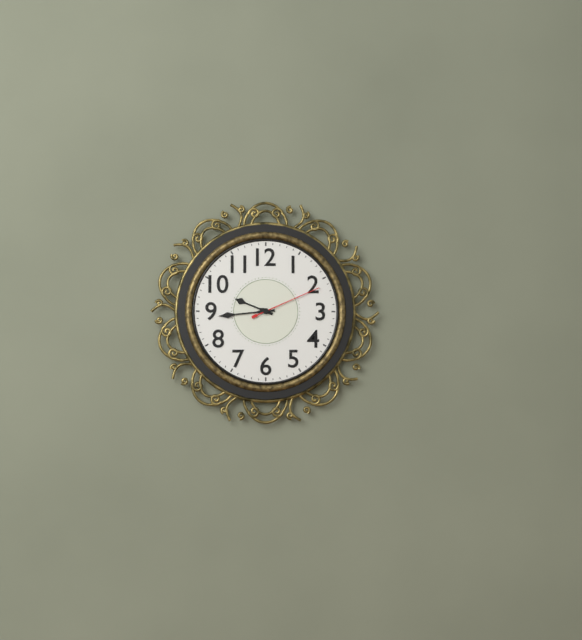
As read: 9.44.11
